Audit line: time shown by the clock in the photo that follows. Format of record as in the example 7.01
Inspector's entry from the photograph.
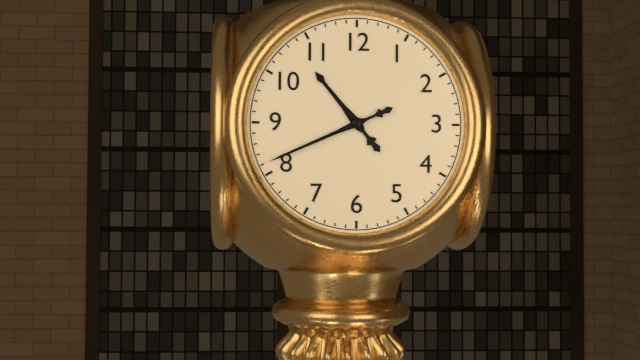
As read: 10.41
